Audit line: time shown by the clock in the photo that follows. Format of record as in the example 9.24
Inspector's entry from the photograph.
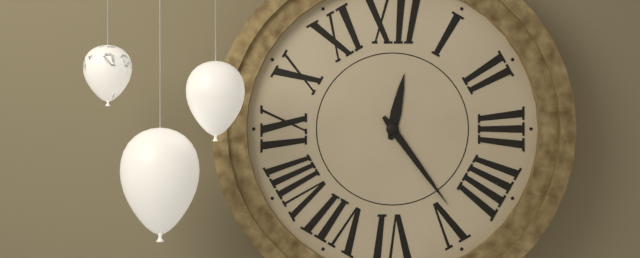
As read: 12.24
